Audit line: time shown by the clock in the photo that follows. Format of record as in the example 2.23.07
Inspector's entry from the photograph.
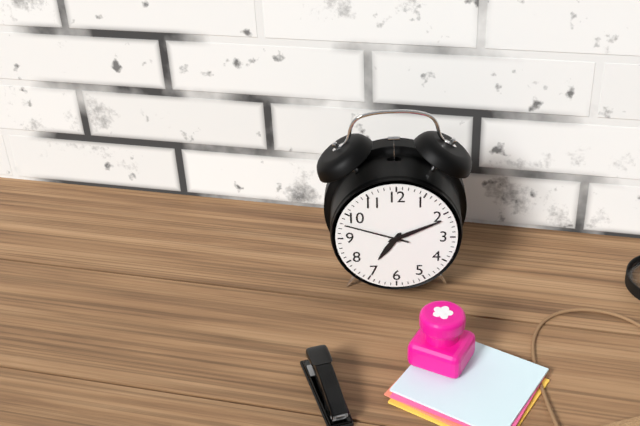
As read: 7.11.48
